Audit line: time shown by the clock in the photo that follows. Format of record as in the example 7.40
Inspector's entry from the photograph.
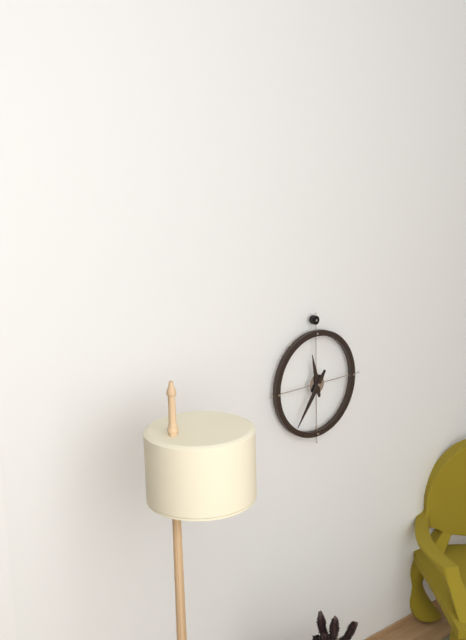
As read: 11.36
